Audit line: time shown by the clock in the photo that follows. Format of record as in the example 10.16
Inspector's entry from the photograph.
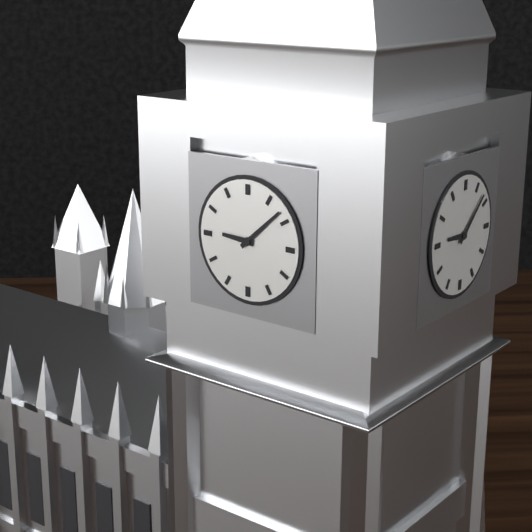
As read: 9.08
